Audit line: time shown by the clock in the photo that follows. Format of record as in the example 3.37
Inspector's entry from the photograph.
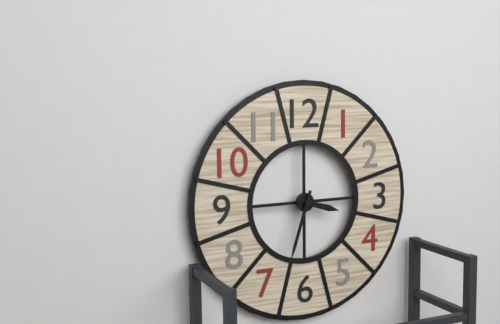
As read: 3.33
